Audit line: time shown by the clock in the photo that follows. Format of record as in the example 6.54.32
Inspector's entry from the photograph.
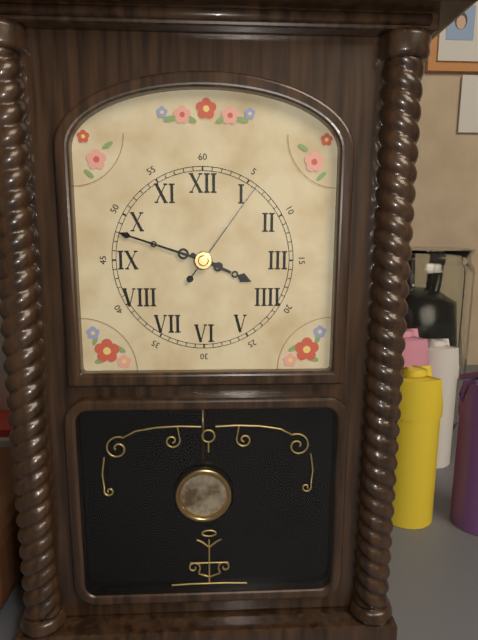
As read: 3.48.06
